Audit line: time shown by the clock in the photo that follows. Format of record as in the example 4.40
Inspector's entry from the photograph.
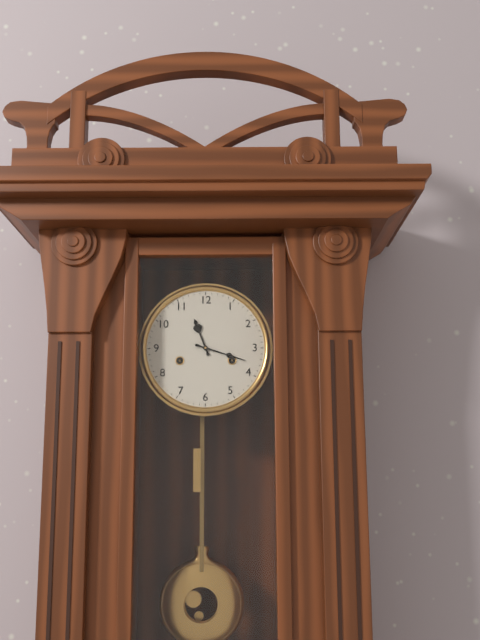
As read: 11.18
